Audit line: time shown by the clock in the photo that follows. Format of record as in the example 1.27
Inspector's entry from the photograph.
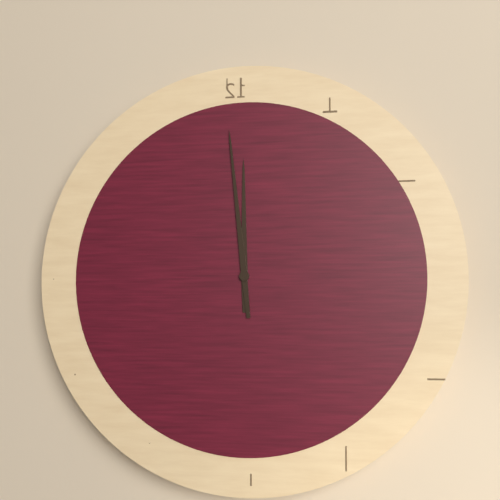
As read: 11.59
